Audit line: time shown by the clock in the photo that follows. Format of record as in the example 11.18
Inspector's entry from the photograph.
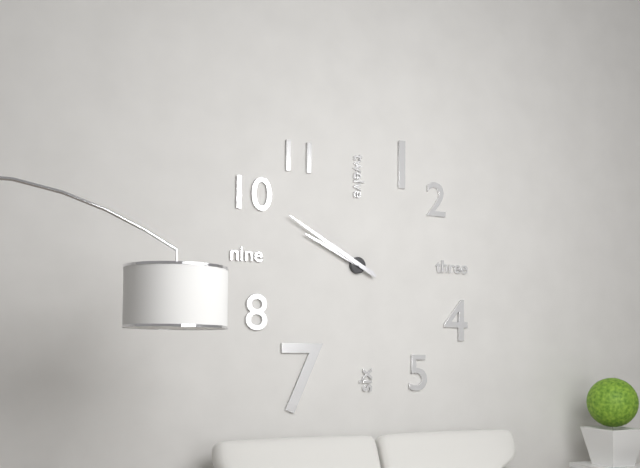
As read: 9.50
